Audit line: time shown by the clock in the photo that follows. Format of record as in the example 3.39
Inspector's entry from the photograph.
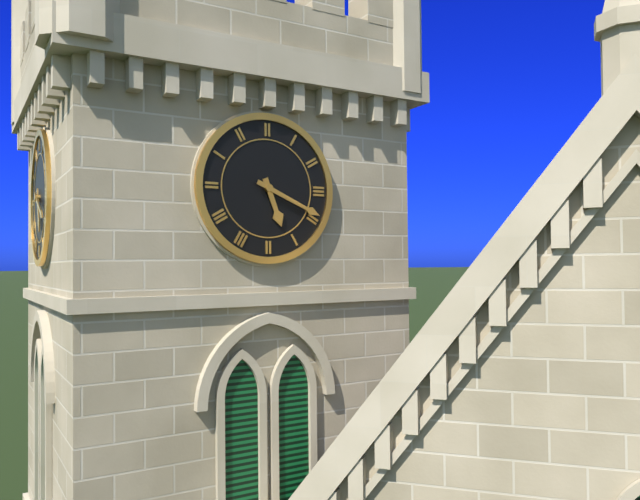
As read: 5.19
